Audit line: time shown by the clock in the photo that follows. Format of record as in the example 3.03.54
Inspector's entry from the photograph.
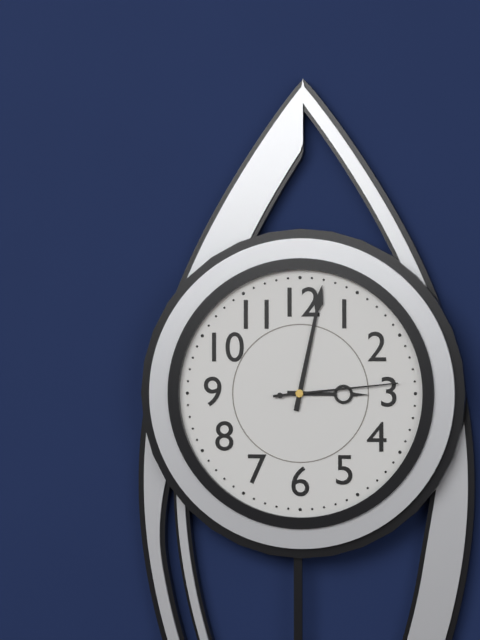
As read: 3.02.14
